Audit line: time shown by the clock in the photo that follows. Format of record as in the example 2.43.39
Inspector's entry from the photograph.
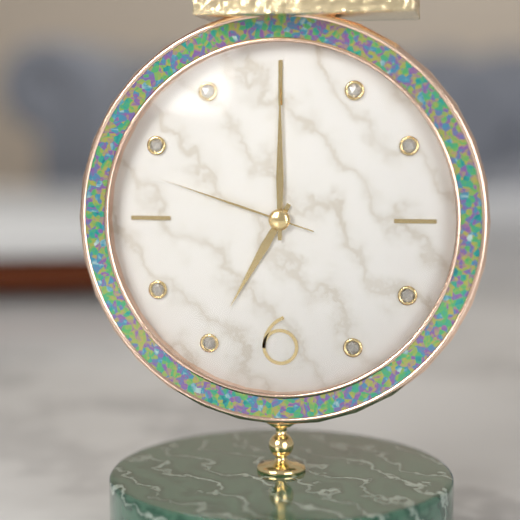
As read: 7.00.48
